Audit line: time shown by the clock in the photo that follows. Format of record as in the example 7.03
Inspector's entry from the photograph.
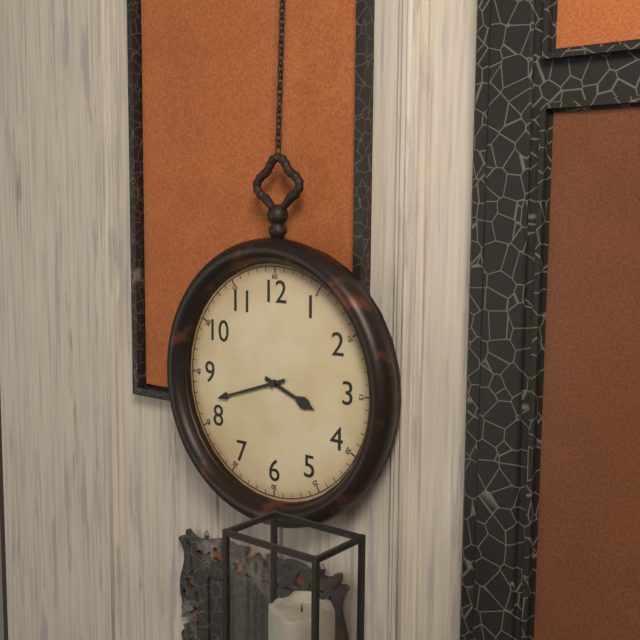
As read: 3.42
